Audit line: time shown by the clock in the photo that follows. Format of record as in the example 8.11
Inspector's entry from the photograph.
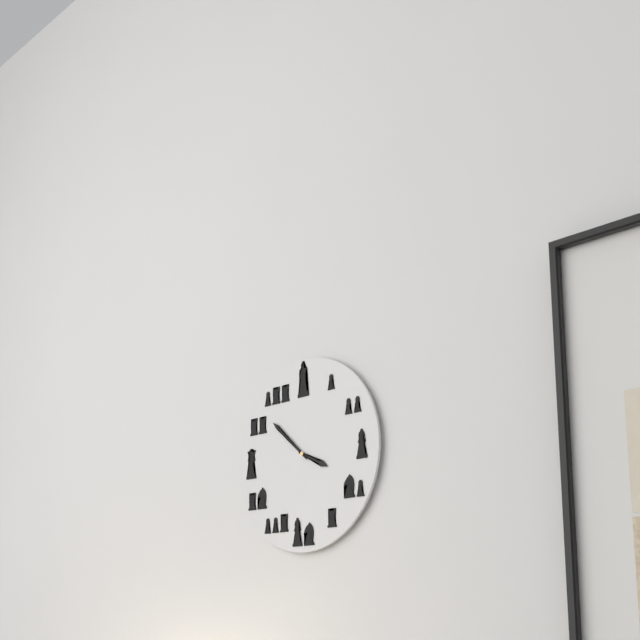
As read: 3.52
